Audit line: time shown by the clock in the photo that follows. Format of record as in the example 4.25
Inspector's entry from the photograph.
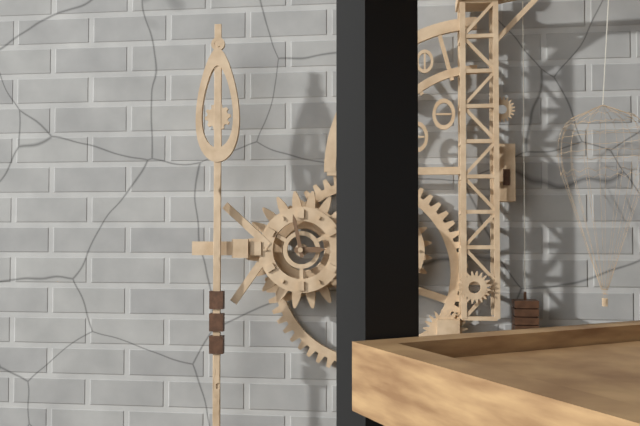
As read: 2.58
